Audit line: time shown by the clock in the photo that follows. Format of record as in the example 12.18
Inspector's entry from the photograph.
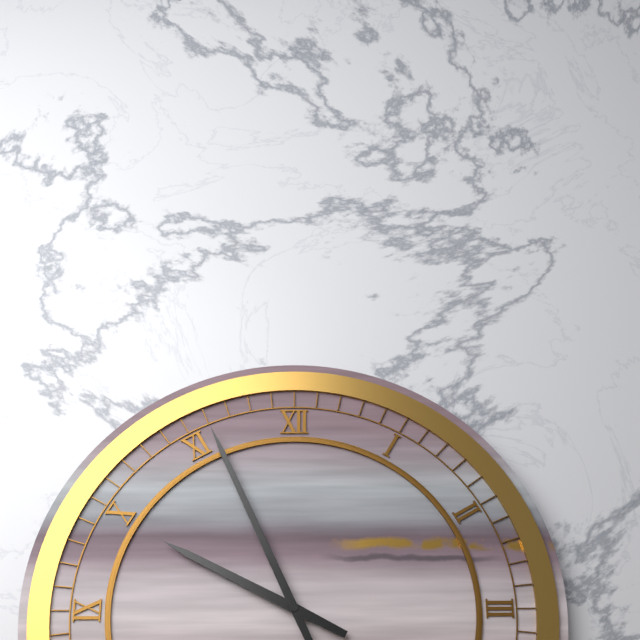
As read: 9.56
